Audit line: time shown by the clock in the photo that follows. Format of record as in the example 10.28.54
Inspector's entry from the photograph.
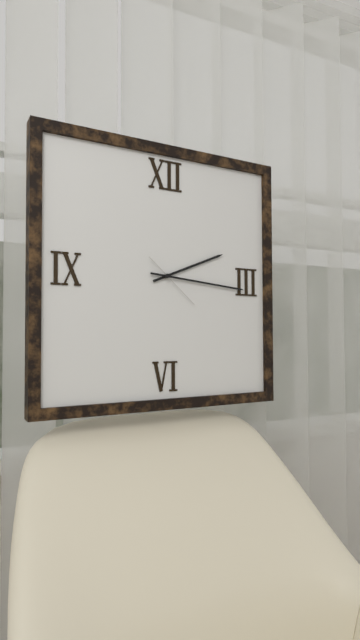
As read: 2.16.22
